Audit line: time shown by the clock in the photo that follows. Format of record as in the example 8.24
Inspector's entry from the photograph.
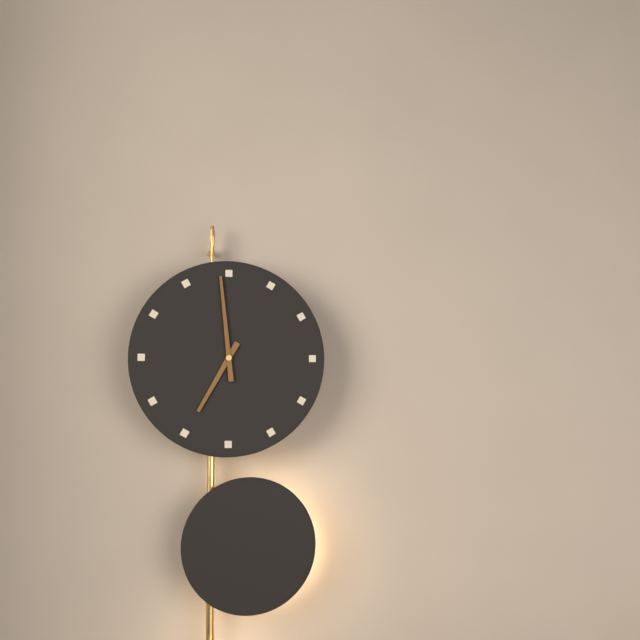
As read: 6.59
